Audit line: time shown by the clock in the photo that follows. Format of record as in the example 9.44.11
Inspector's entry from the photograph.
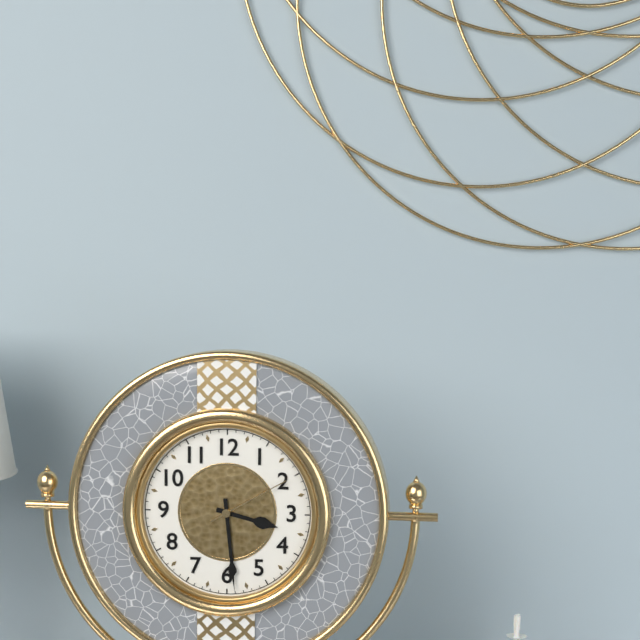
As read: 3.29.10
